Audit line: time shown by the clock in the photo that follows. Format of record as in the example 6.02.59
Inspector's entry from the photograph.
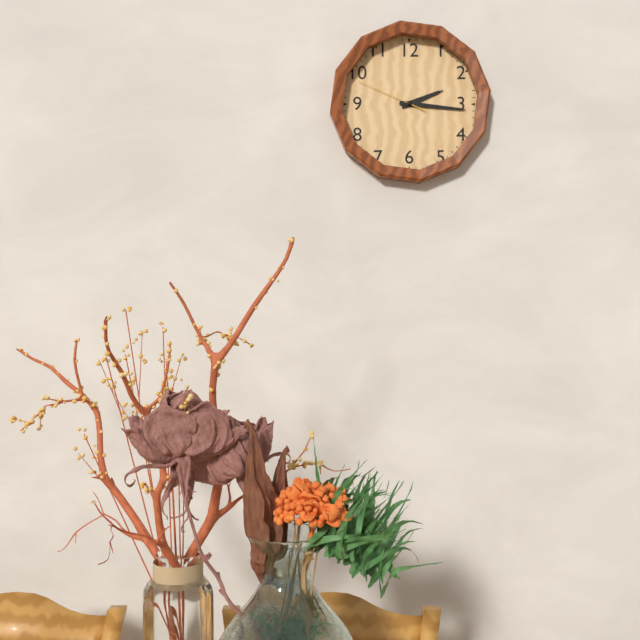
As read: 2.16.49
